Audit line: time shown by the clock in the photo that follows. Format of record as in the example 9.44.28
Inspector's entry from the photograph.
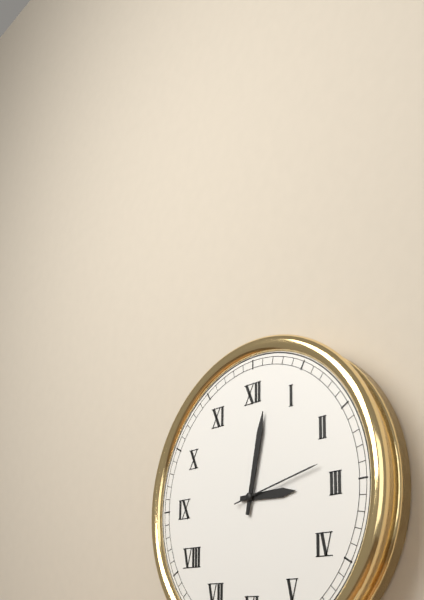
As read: 3.02.13
